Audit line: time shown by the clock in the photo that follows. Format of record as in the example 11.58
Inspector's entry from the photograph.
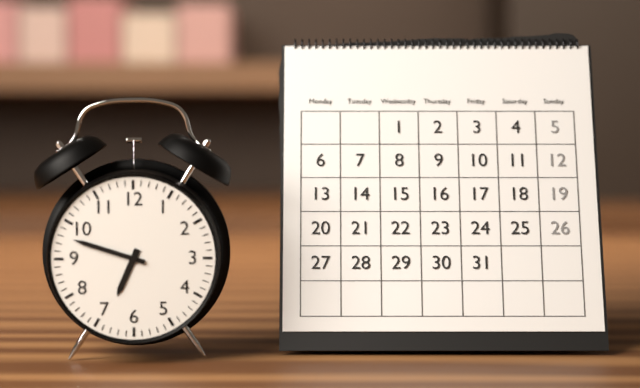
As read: 6.48
